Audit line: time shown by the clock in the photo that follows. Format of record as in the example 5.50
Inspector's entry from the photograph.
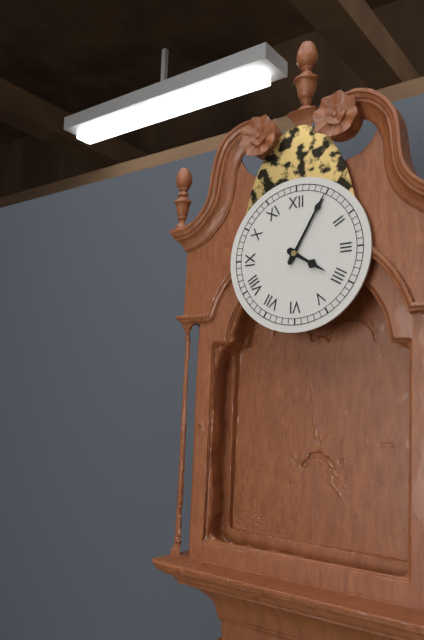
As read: 4.05
